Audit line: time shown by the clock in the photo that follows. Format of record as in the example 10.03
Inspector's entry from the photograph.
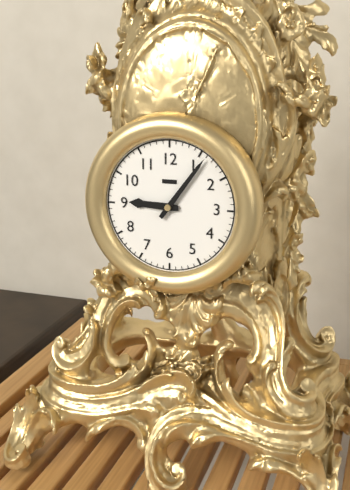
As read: 9.06
